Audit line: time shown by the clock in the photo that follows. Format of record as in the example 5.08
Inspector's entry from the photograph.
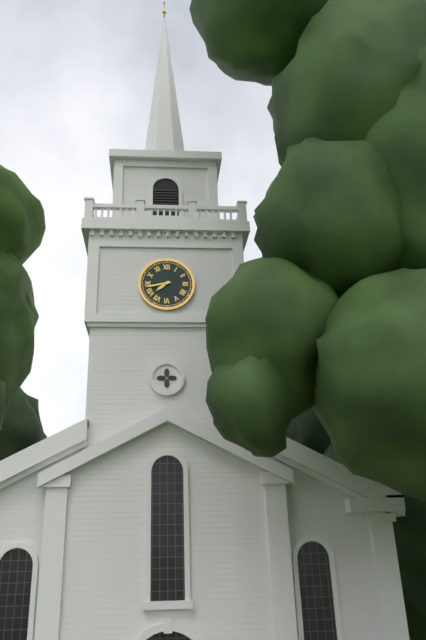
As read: 7.43
